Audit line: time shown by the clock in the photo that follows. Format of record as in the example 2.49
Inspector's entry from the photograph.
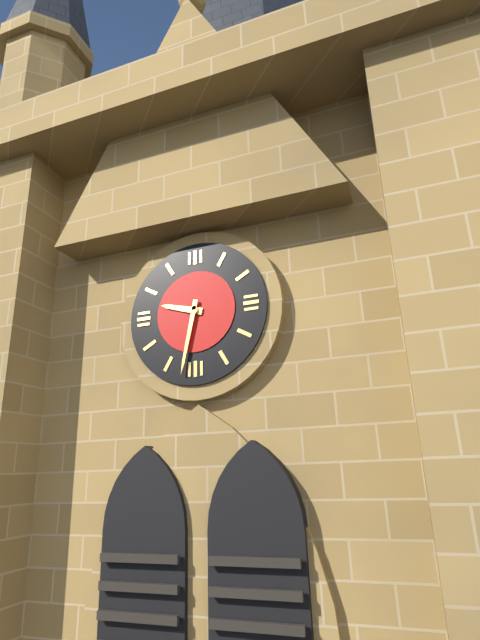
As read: 9.32
